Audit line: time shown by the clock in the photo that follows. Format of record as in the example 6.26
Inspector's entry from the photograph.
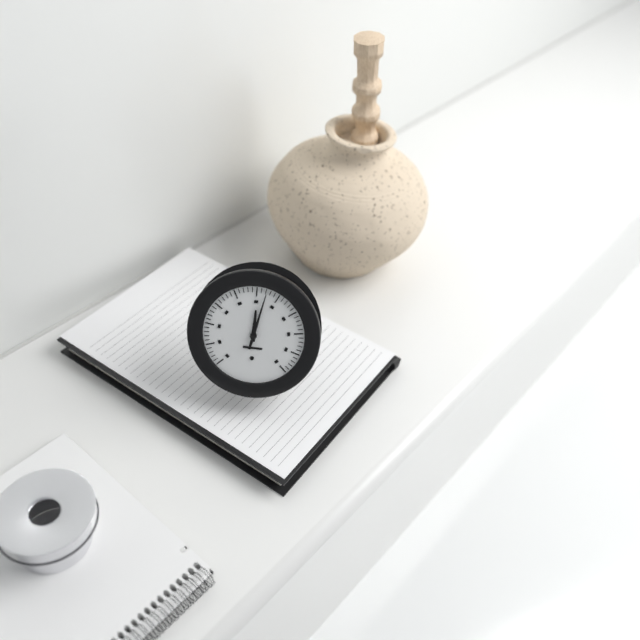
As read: 12.02
